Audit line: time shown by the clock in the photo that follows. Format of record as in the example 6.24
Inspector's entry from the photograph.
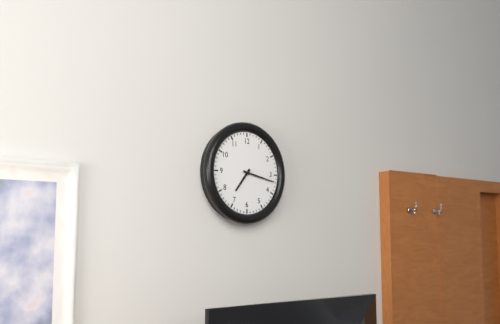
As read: 7.17
